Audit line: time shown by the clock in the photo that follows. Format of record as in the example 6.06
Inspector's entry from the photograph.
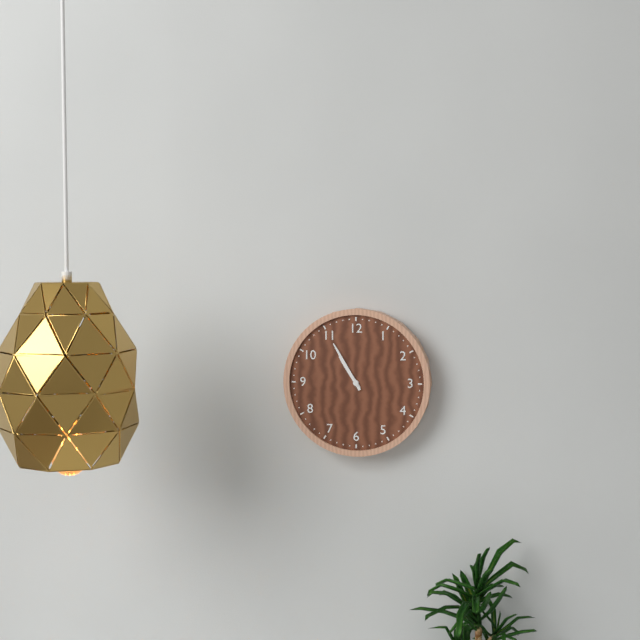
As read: 10.55
